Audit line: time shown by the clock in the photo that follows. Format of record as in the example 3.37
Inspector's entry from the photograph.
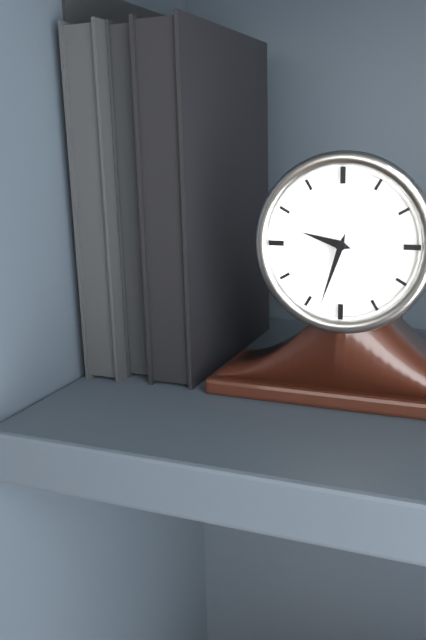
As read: 9.33
